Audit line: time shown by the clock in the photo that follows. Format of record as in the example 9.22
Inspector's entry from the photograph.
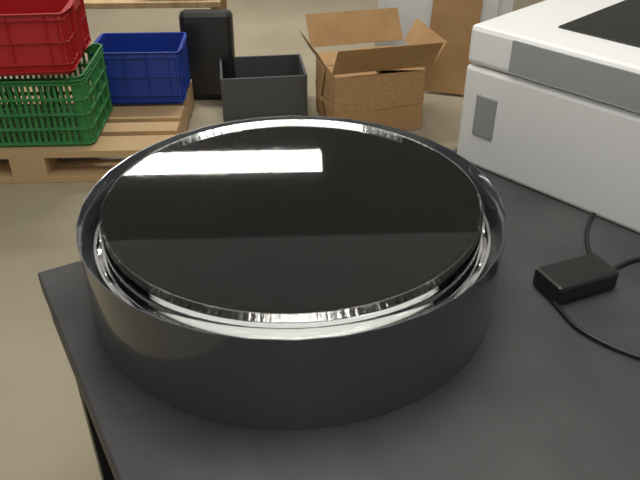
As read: 12.24
